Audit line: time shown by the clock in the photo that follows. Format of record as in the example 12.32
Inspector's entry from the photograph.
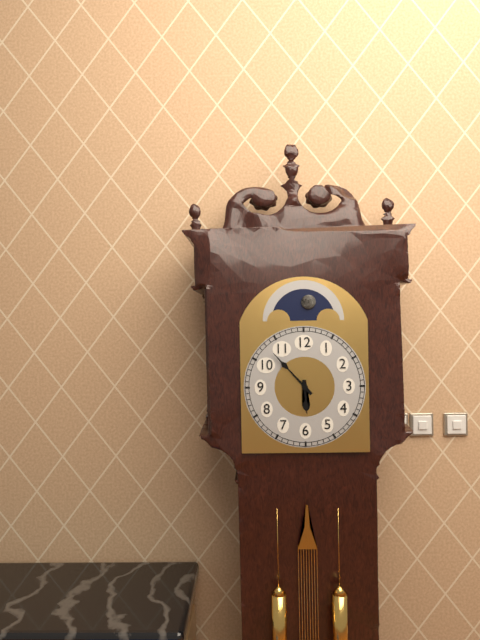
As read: 5.53
